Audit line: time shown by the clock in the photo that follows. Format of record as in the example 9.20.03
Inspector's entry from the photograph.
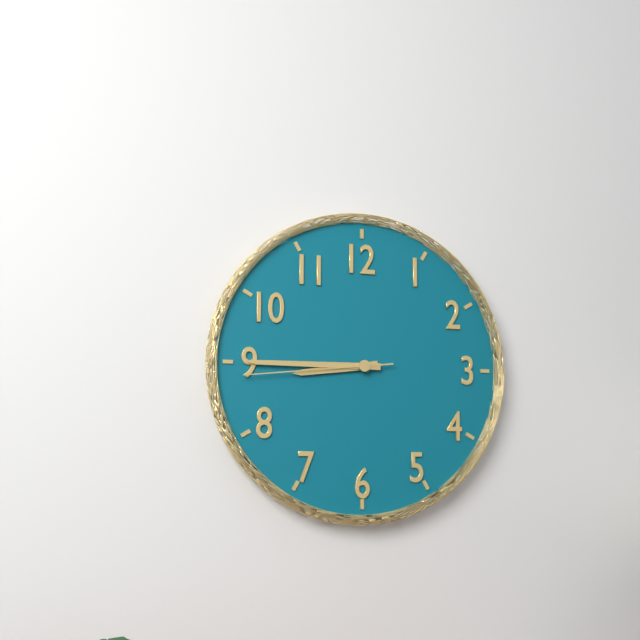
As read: 8.45.44
